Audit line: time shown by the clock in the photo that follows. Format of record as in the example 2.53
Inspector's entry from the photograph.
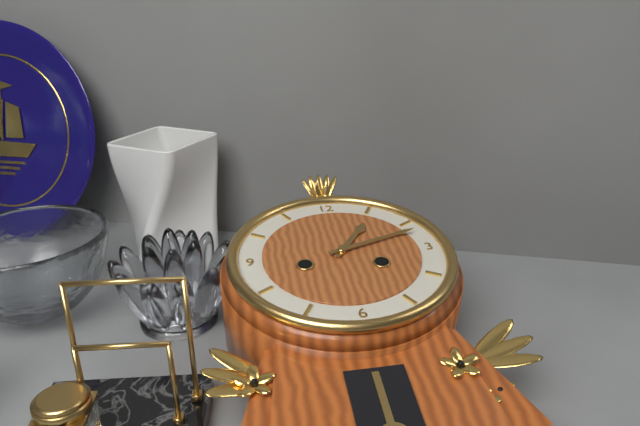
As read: 1.12
